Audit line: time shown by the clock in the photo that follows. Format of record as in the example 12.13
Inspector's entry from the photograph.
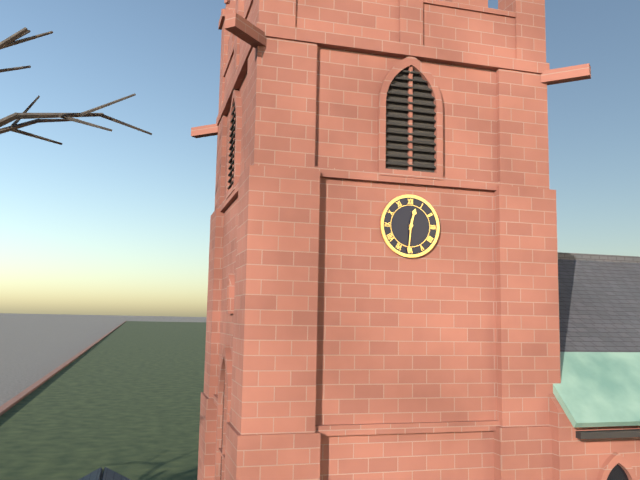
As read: 12.31
